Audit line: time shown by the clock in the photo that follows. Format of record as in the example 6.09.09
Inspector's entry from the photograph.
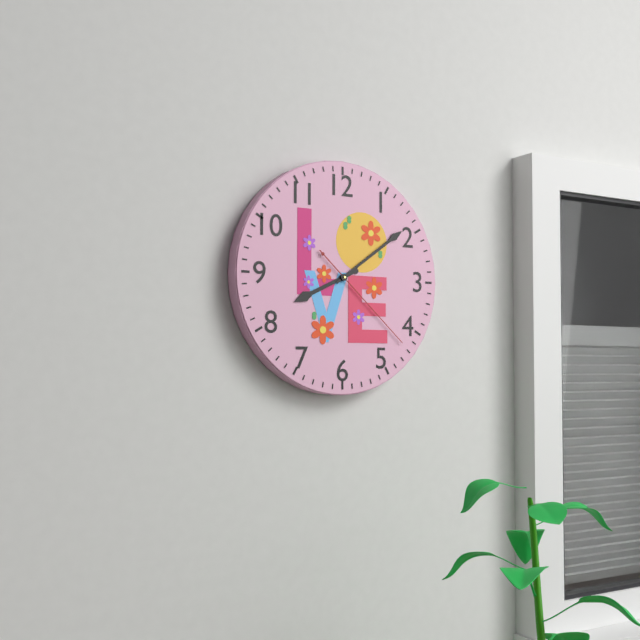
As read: 8.09.22
